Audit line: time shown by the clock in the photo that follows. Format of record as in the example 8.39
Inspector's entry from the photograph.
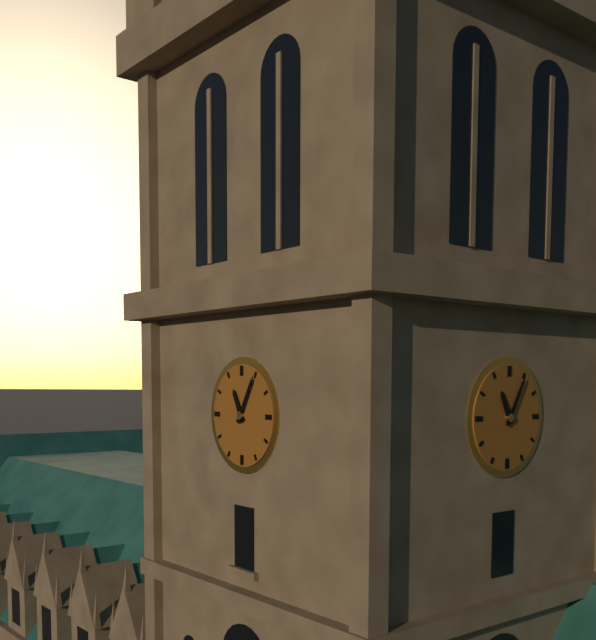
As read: 11.05
